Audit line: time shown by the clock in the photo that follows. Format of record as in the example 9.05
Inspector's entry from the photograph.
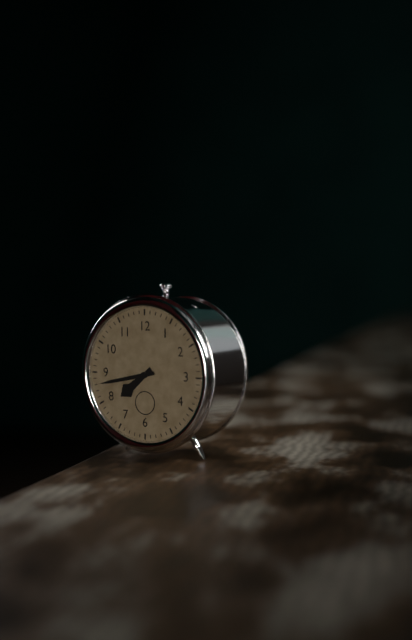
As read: 7.43
